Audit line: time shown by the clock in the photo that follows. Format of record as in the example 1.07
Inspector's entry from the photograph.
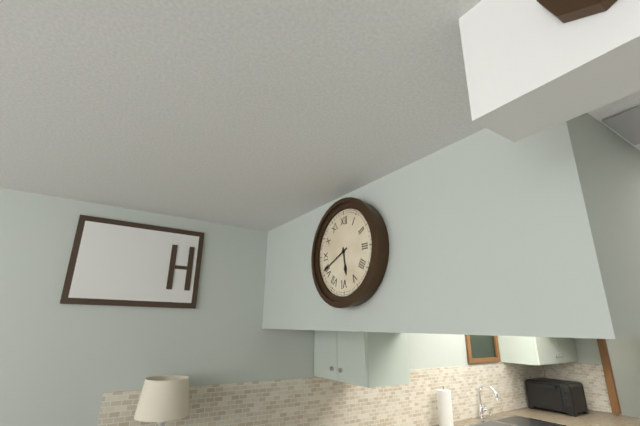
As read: 5.41
